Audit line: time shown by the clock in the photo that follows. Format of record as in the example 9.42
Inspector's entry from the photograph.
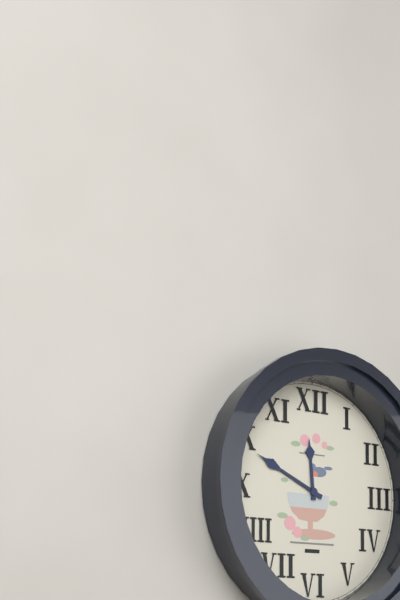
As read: 11.49
